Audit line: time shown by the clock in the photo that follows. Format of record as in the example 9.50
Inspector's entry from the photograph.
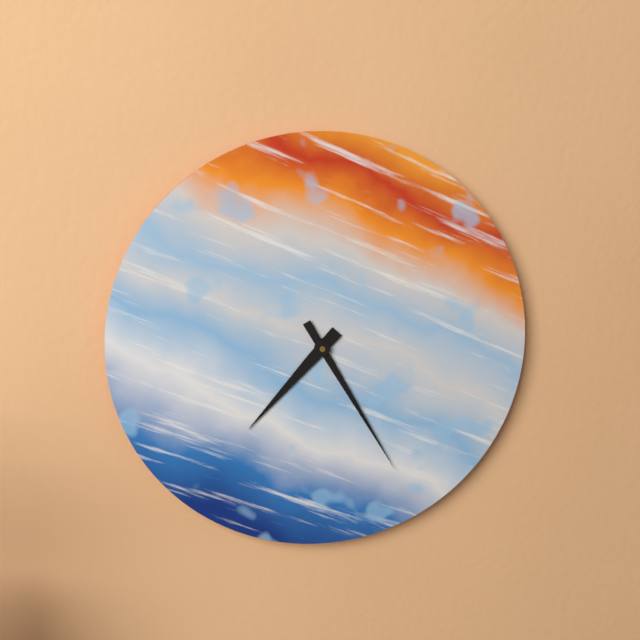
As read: 7.25
